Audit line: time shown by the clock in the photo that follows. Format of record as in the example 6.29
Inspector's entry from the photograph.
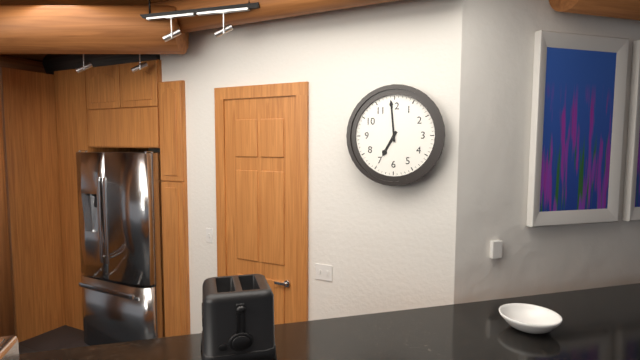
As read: 6.59
